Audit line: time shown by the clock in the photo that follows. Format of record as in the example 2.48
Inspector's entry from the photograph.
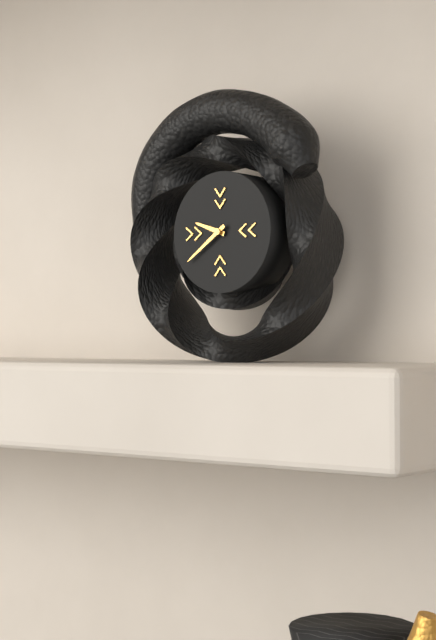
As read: 9.39
